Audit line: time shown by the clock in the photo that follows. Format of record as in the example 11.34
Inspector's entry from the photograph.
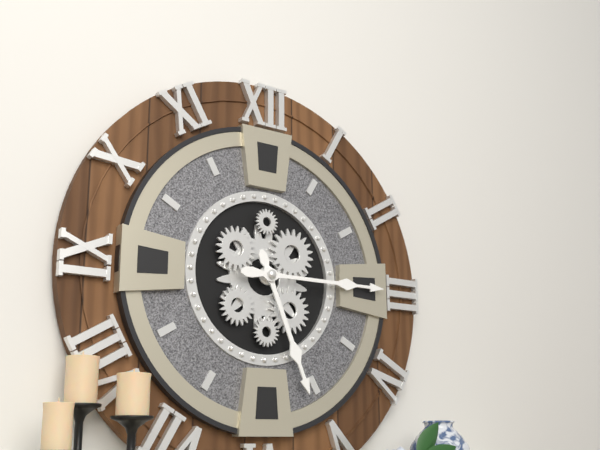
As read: 5.15
